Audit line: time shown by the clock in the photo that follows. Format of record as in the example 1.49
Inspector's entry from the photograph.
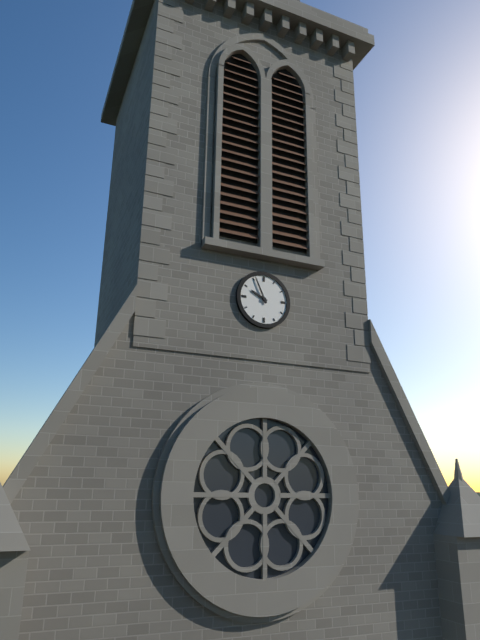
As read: 9.56
